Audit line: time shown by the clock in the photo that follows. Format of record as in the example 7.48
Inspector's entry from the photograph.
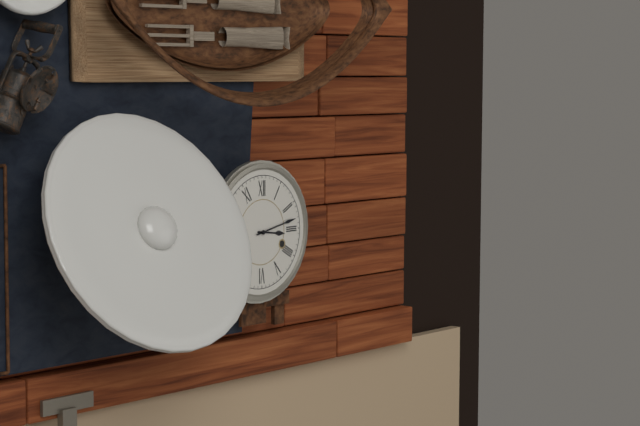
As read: 3.13
